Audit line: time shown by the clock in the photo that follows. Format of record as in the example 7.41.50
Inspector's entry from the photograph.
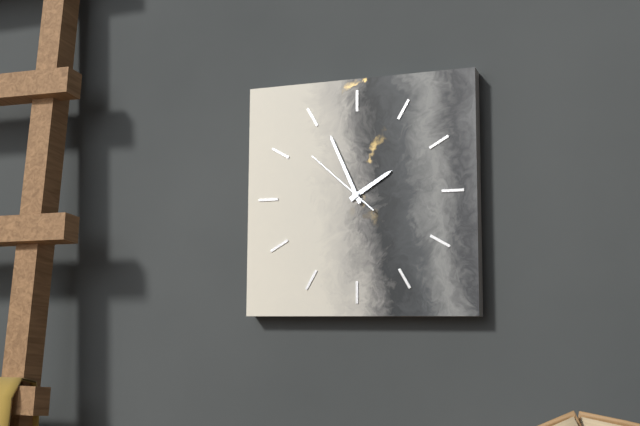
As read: 1.56.52
